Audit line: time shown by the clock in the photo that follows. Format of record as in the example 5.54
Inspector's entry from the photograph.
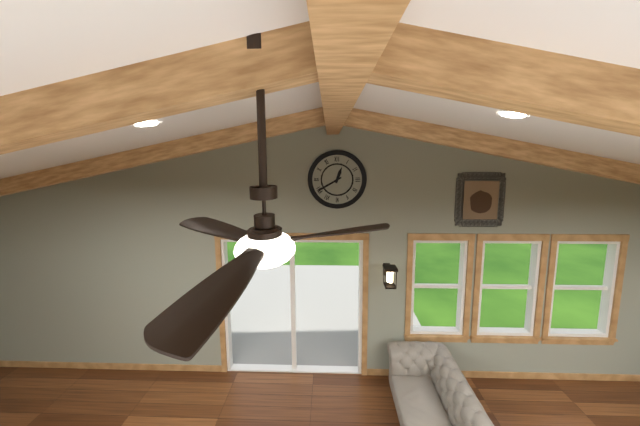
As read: 12.40
